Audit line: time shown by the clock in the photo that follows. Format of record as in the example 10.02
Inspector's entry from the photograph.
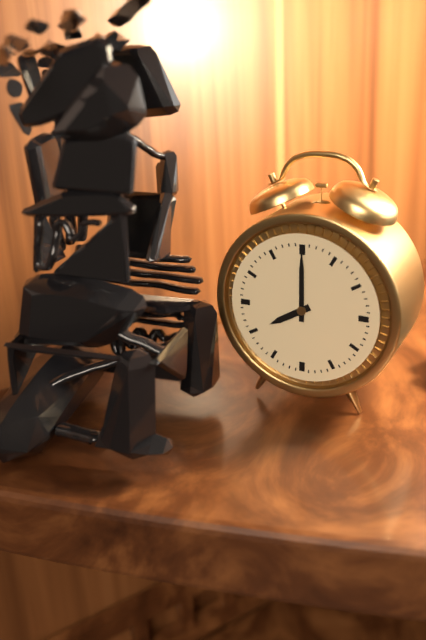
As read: 8.00
